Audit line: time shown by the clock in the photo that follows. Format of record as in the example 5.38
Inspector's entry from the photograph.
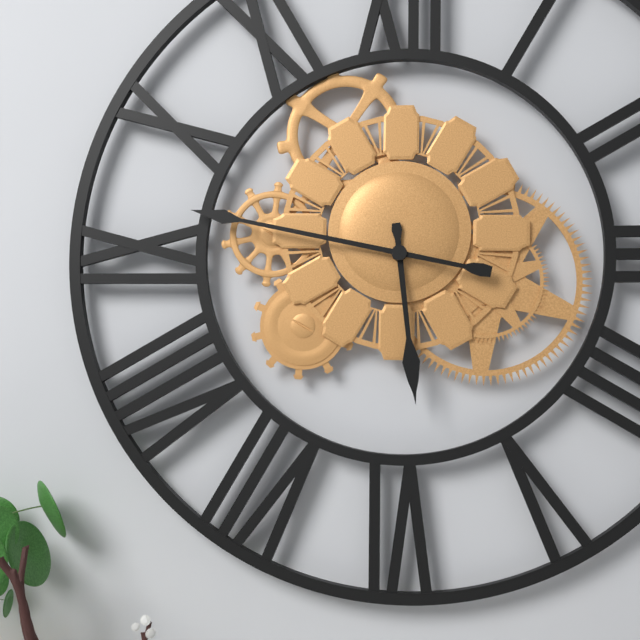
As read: 5.47
